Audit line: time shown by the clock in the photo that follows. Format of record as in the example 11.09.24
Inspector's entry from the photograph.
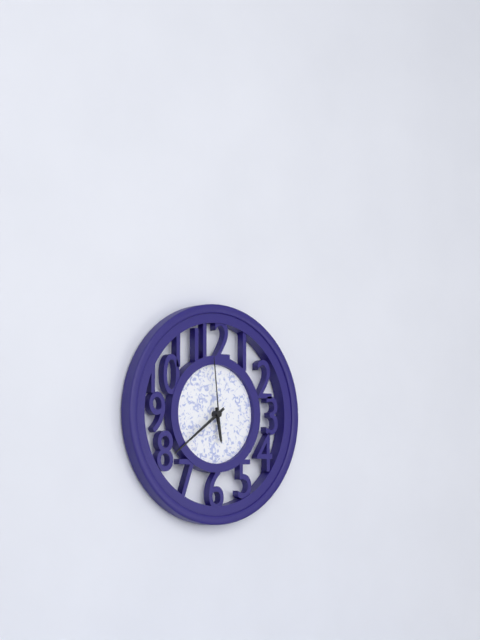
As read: 5.39.59
